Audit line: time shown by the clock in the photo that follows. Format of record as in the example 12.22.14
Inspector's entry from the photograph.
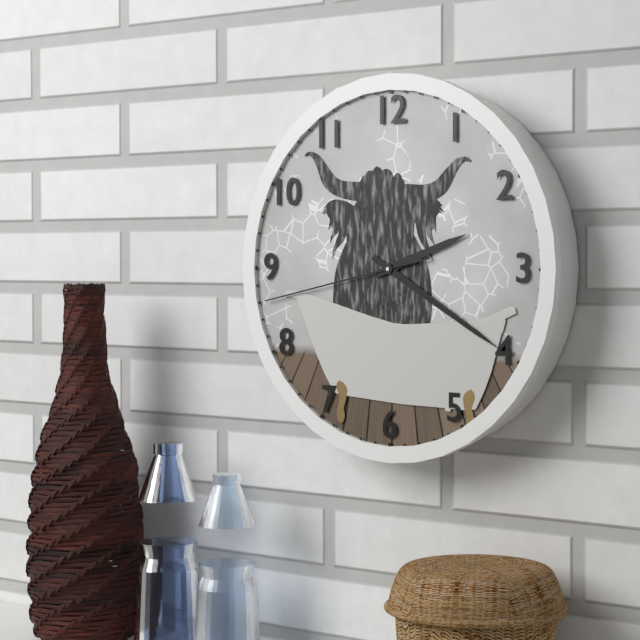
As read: 2.20.43
